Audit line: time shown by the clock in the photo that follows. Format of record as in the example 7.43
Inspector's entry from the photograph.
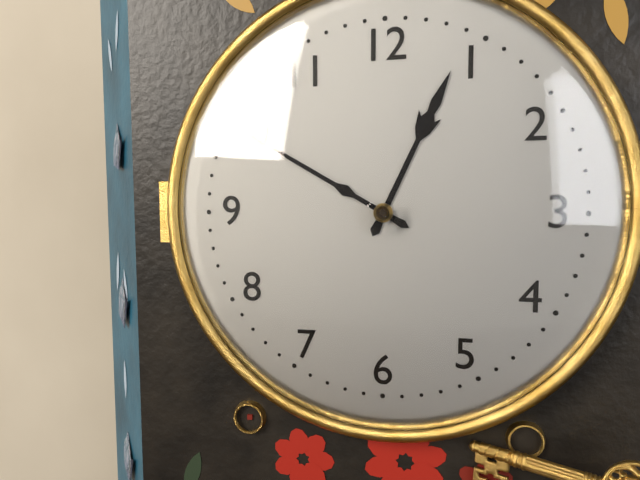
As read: 12.50
